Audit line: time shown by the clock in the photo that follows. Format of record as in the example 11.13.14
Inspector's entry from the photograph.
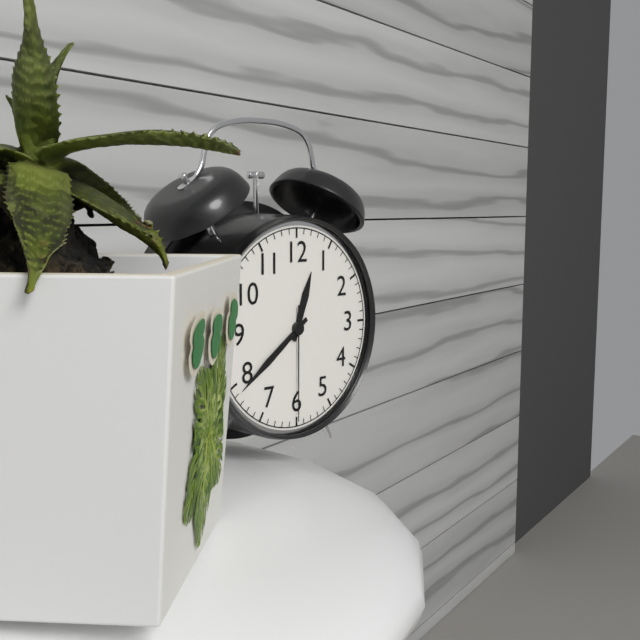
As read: 12.39.30
